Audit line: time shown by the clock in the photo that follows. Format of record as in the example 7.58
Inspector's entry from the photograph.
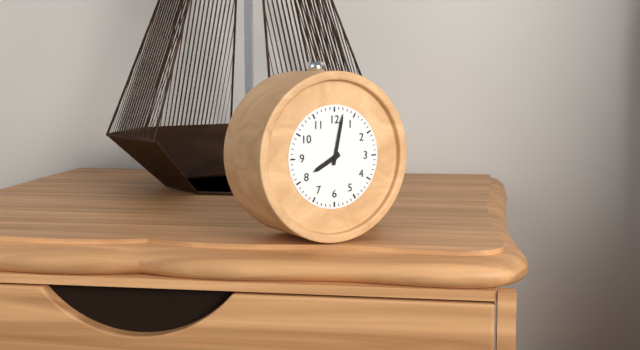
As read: 8.02
